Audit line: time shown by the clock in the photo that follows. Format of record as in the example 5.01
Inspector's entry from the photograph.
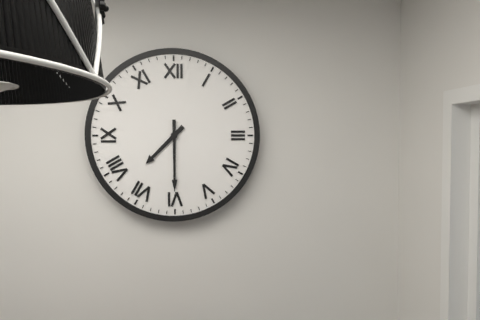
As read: 7.30
